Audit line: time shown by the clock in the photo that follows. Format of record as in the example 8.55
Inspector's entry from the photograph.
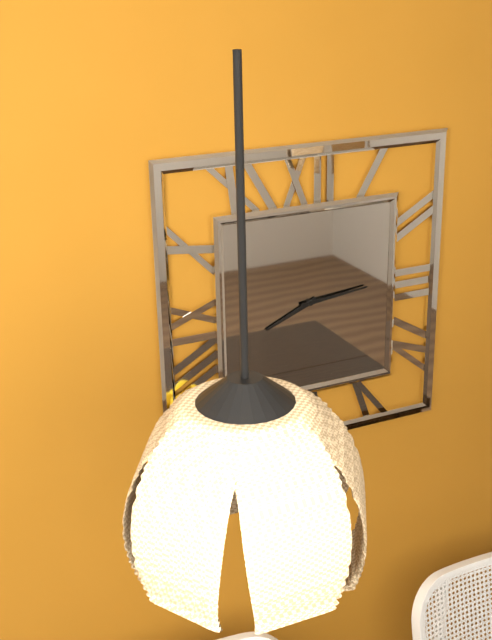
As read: 8.14
